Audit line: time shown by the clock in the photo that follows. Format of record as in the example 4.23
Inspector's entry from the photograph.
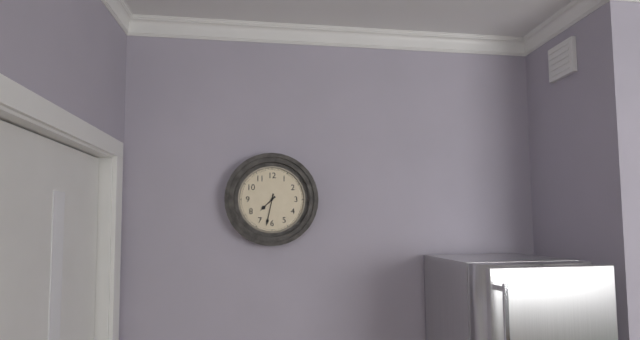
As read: 7.32
